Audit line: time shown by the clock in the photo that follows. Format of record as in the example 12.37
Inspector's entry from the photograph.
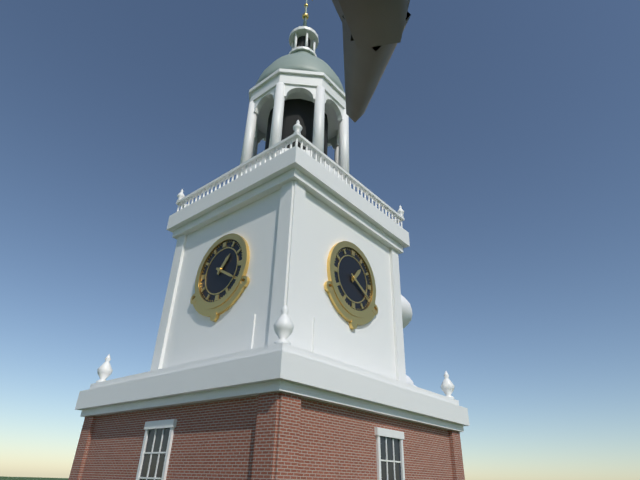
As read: 1.20
